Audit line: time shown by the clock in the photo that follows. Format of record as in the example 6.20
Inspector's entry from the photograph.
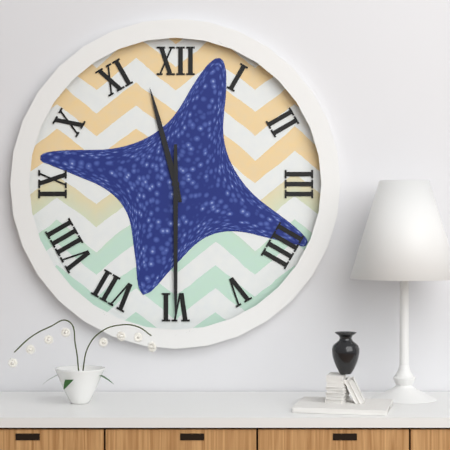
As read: 11.30
